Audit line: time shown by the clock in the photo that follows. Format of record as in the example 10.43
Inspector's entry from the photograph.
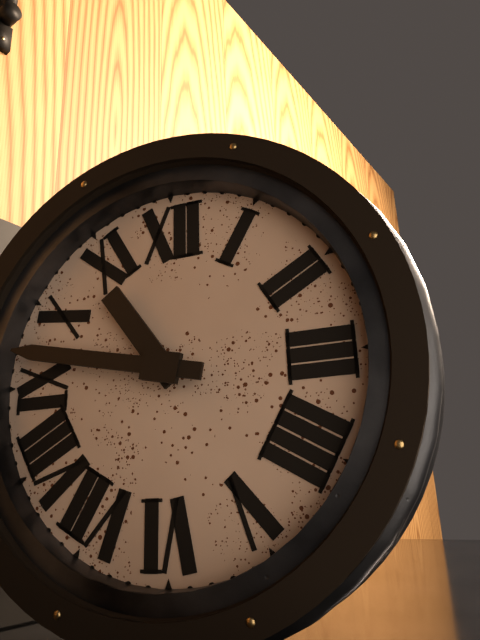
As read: 10.47
